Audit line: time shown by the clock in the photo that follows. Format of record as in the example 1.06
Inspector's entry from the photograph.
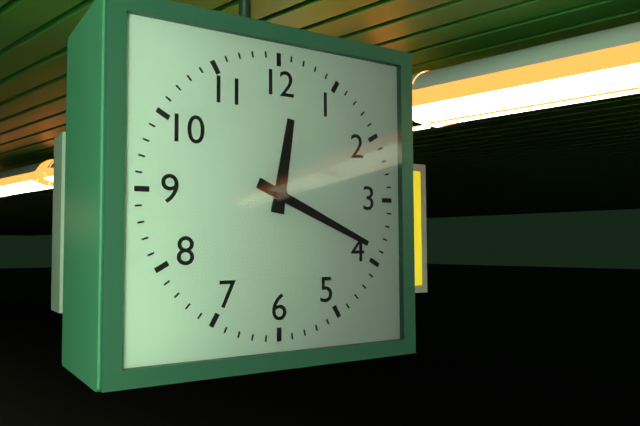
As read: 12.19
